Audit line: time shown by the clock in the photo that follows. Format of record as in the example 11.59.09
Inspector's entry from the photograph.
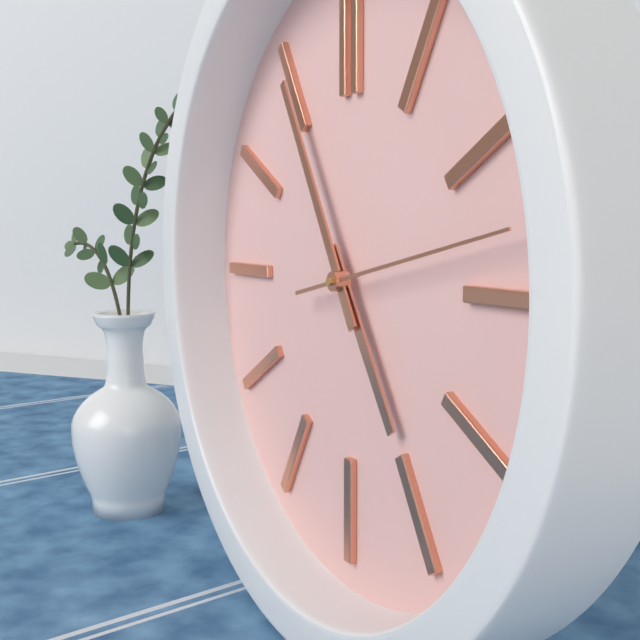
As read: 4.55.13
